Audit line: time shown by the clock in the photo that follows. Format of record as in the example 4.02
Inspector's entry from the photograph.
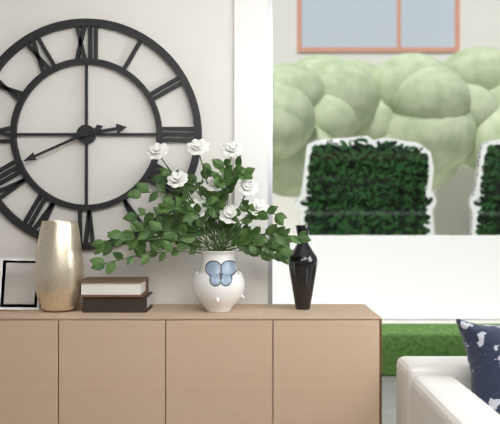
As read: 2.41
